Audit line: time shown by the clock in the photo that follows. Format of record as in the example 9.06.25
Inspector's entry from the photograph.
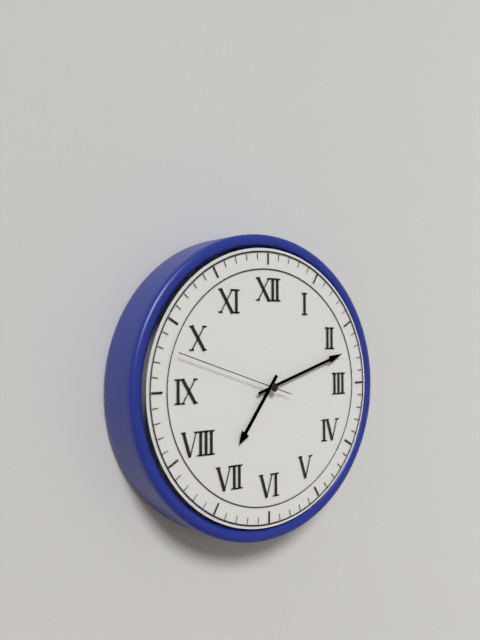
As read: 7.12.48
